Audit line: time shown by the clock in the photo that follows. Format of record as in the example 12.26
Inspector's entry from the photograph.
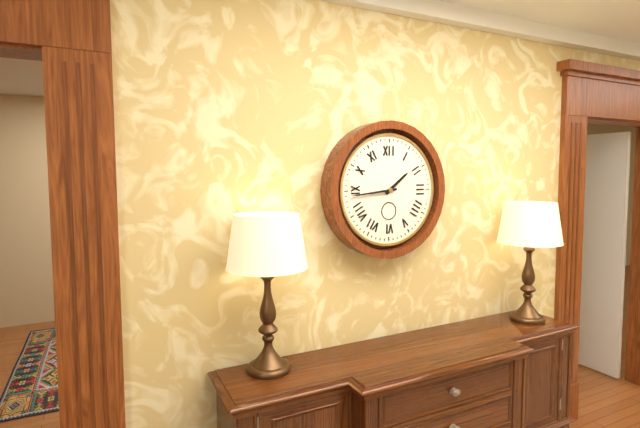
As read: 1.44
